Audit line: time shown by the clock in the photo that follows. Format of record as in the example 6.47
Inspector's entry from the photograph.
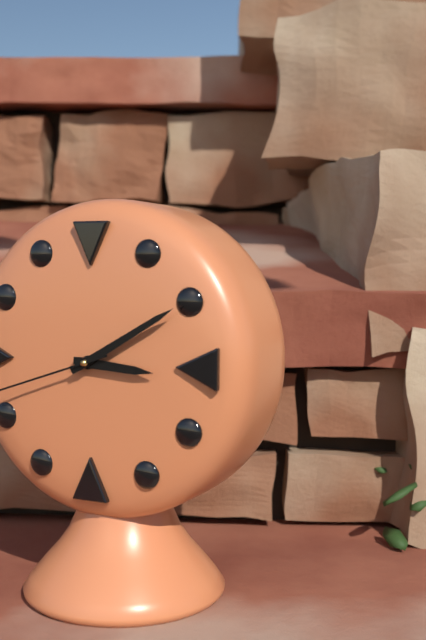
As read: 3.10
